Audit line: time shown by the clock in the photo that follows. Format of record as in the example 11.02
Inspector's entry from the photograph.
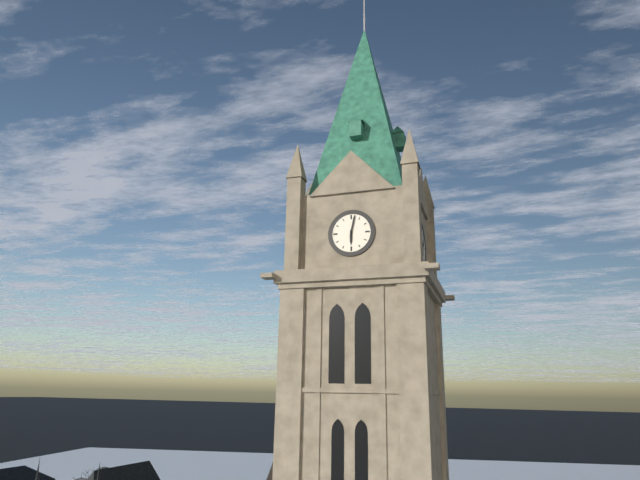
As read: 6.02
